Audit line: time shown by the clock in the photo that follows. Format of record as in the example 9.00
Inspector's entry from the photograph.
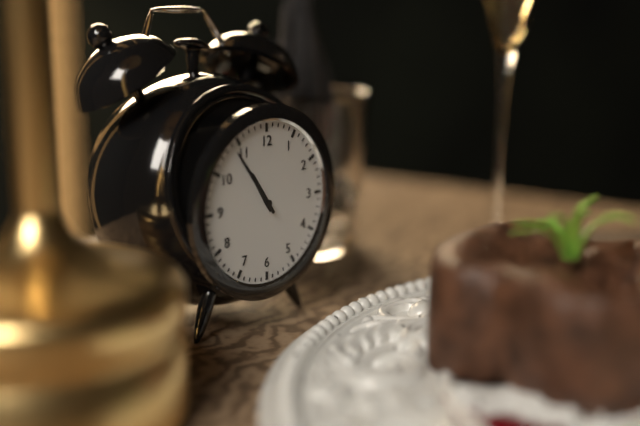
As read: 10.54
